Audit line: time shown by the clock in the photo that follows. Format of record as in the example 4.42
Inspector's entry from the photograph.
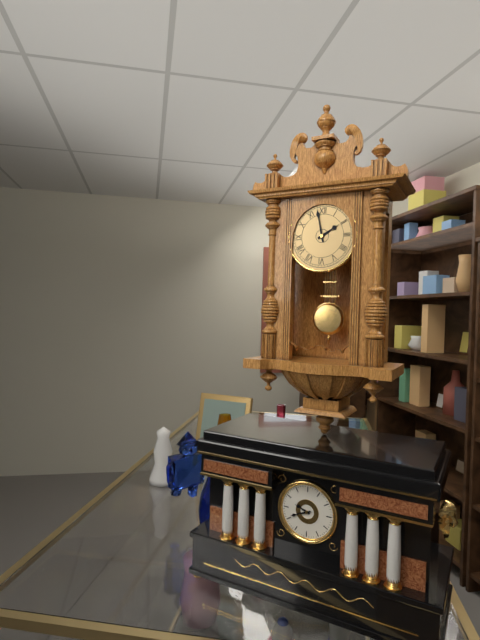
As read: 1.58
